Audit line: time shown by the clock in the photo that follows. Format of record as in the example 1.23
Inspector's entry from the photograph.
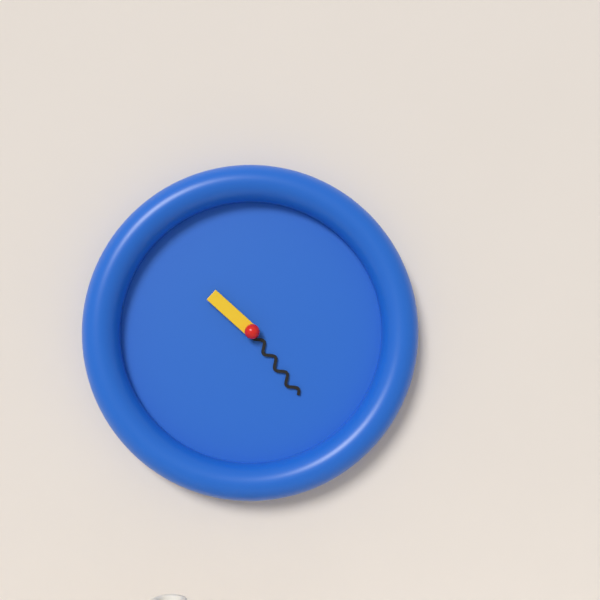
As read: 10.24
